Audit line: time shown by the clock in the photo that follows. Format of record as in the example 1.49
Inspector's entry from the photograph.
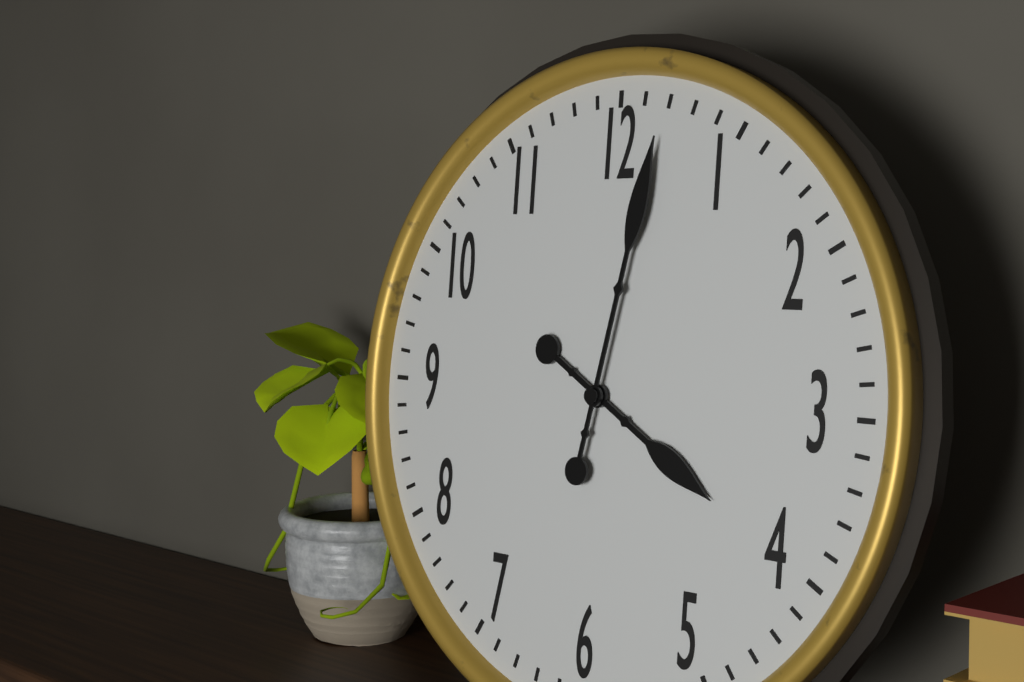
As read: 4.02
